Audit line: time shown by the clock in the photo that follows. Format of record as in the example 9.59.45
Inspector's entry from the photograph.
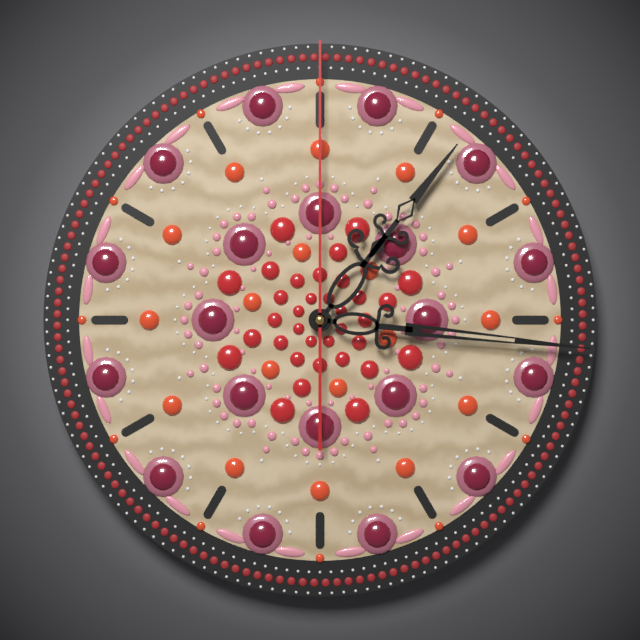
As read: 1.16.00
